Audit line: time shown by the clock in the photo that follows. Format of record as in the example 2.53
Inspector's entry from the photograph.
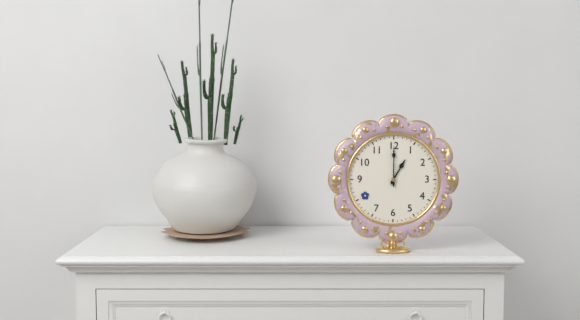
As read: 1.00
